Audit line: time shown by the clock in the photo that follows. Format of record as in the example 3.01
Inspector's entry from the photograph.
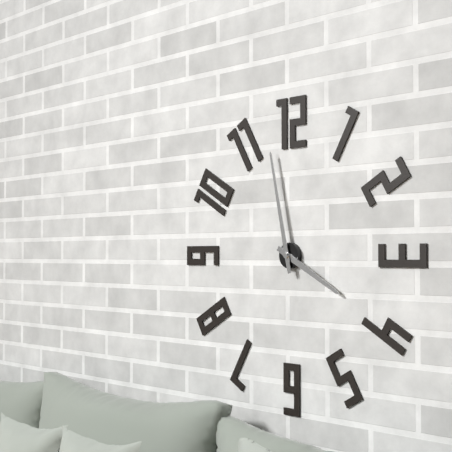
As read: 3.58
